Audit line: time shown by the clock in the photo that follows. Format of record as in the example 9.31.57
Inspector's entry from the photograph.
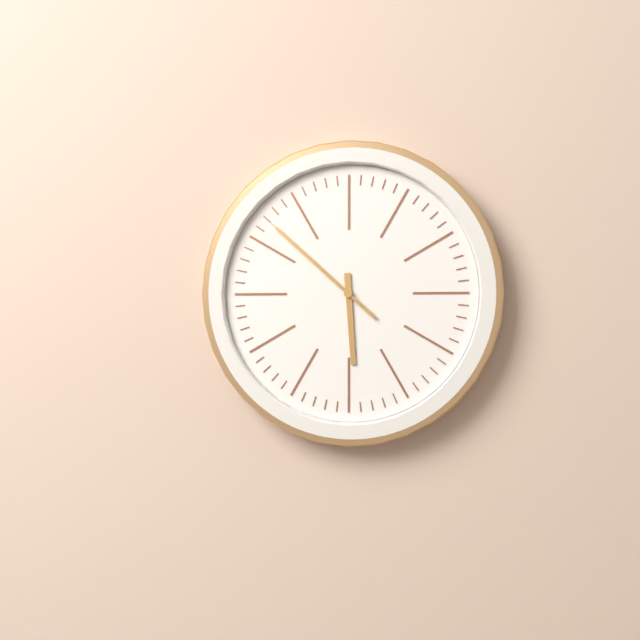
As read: 5.52.52
